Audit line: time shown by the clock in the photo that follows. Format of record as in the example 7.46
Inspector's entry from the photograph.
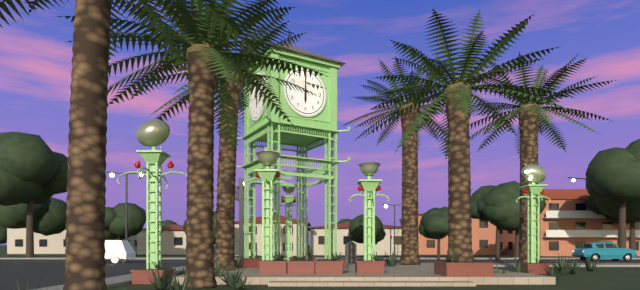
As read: 6.00
